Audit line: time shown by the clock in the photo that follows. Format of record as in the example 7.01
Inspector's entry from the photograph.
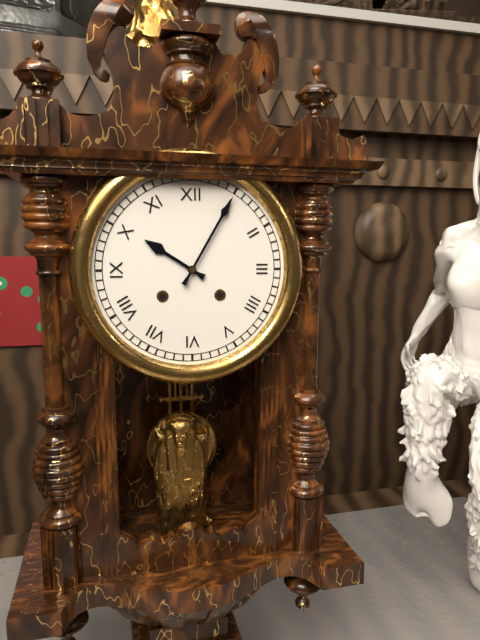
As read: 10.05
